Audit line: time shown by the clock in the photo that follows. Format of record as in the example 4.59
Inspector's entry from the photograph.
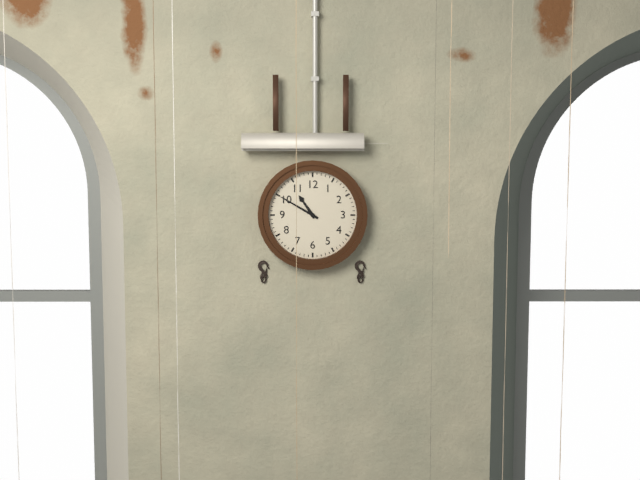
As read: 10.50
